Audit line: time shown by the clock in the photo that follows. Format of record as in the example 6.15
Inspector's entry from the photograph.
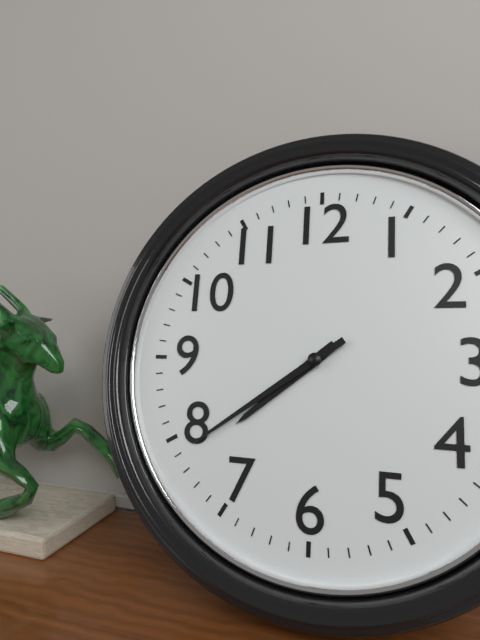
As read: 7.39
